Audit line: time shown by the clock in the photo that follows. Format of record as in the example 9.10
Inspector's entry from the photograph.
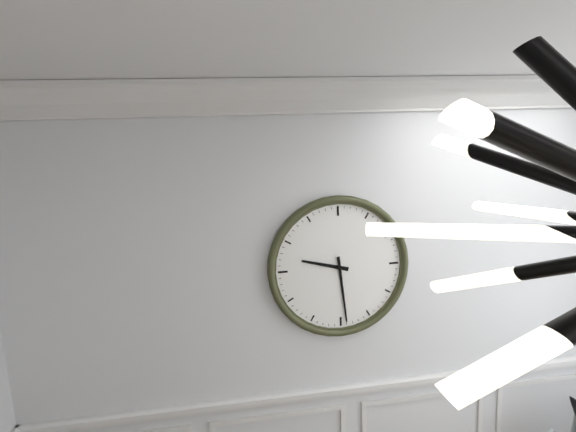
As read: 9.29
